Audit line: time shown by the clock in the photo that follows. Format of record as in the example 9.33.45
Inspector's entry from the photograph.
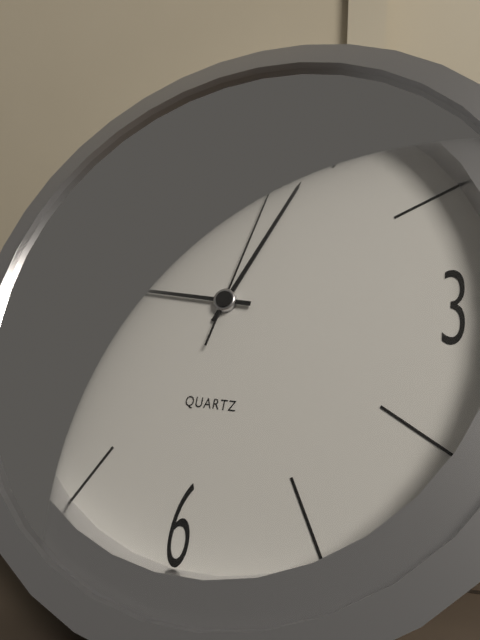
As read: 12.46.02
